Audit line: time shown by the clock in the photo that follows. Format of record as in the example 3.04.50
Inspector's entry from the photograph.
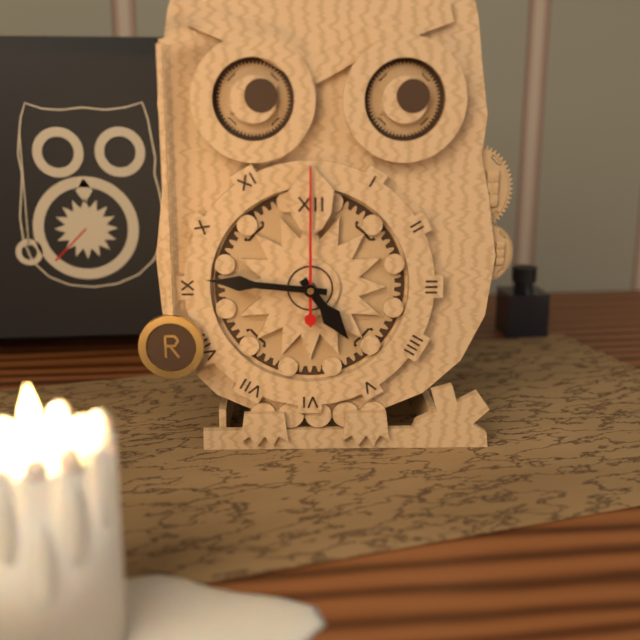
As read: 4.46.00
